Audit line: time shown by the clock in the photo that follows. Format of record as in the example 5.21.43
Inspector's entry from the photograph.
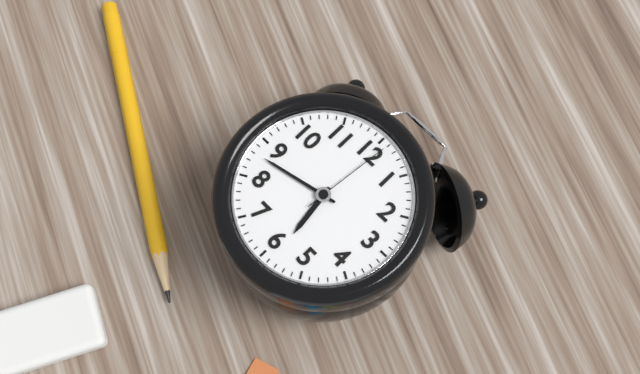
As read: 5.43.01
